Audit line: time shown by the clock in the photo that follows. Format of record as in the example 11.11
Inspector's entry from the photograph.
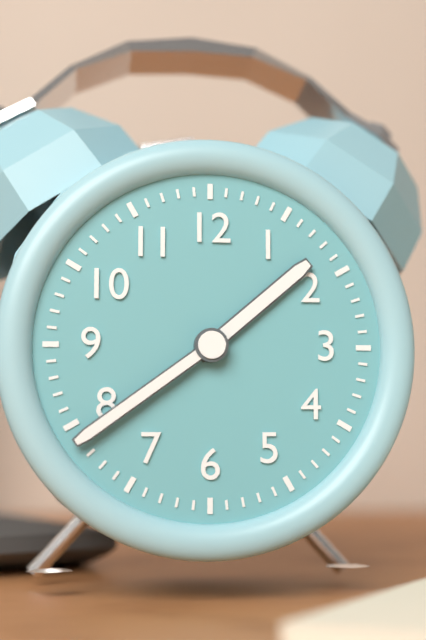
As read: 1.39
